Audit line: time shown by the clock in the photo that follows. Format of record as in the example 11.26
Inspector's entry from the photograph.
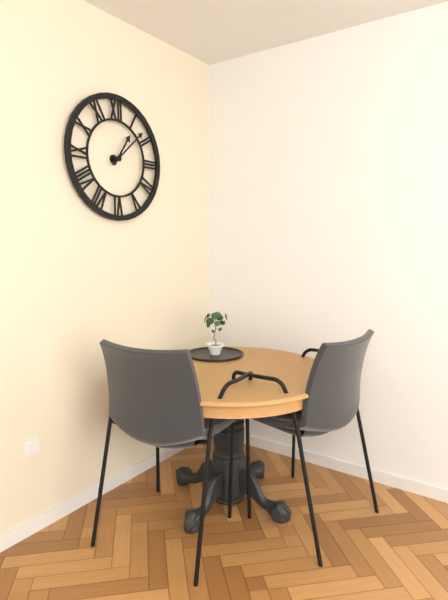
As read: 1.08
